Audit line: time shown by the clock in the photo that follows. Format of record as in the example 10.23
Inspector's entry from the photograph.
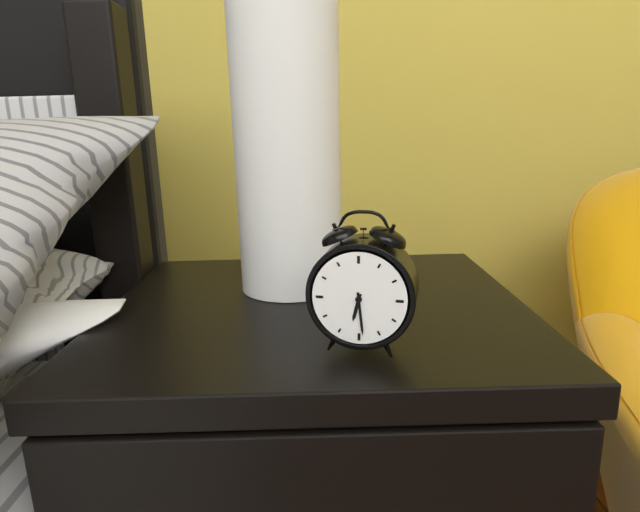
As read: 6.29
